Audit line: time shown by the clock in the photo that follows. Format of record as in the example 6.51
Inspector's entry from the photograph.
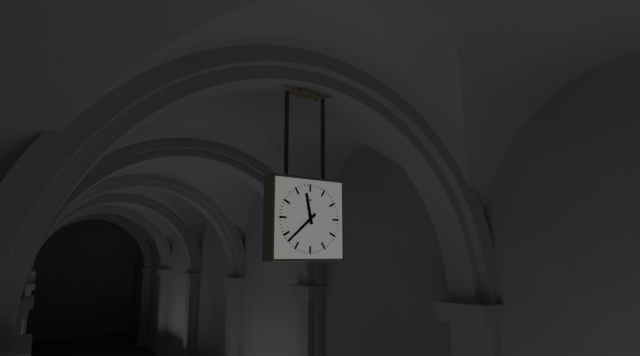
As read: 11.38
